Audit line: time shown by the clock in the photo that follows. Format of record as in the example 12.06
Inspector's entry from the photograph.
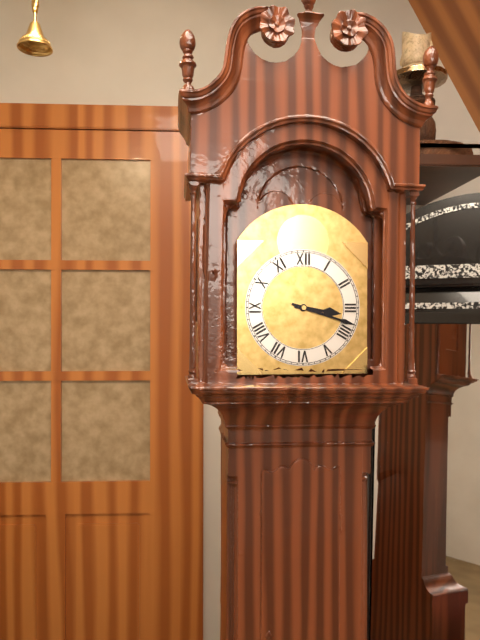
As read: 3.18
